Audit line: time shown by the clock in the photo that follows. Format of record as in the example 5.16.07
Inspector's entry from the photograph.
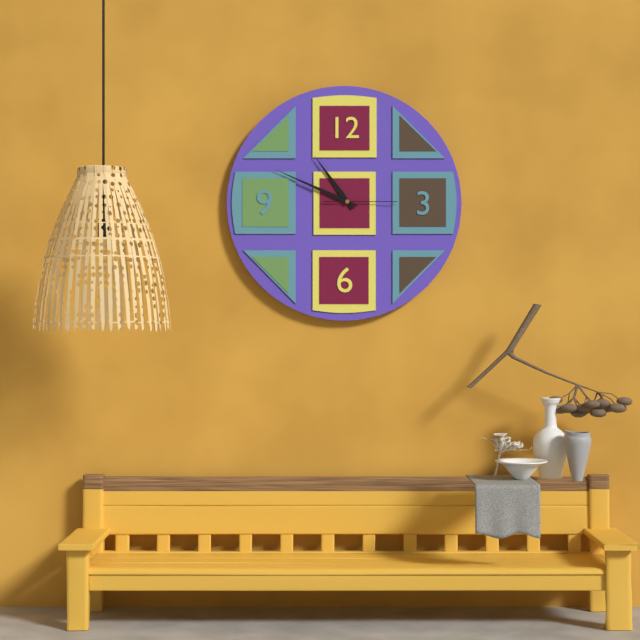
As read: 10.49.15
